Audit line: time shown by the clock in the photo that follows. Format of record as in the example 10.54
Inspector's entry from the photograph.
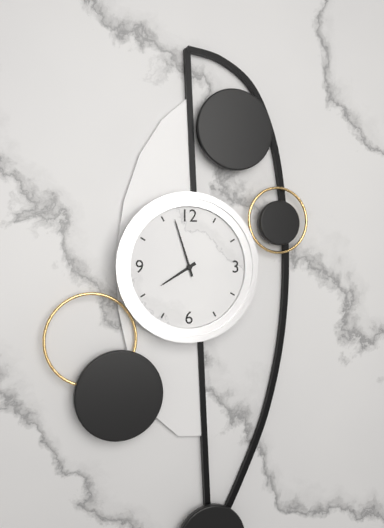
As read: 7.57
